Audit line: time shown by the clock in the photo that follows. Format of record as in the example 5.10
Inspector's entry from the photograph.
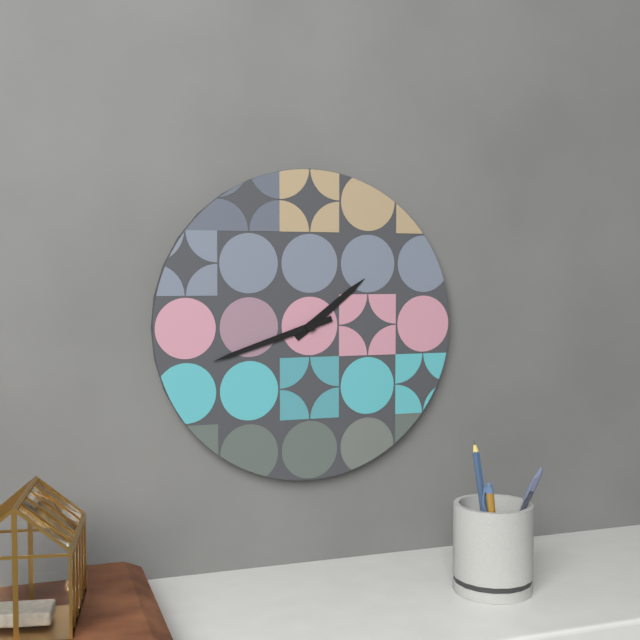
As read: 1.42
